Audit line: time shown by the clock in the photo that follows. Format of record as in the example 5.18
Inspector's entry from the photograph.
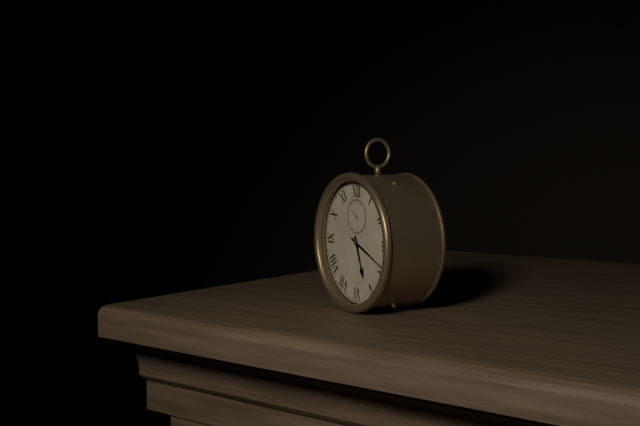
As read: 5.19
